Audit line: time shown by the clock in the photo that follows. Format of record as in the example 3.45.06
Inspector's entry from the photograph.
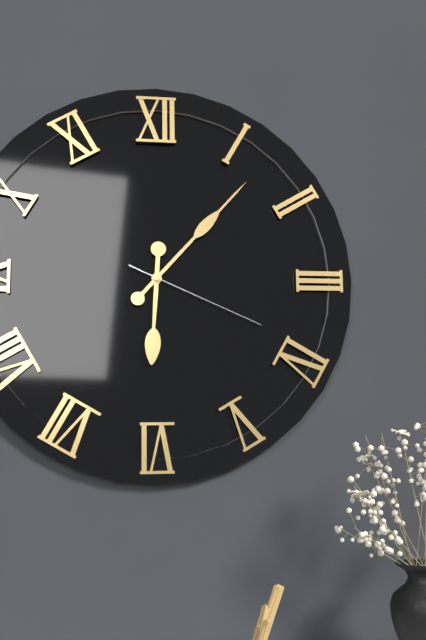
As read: 6.07.19
